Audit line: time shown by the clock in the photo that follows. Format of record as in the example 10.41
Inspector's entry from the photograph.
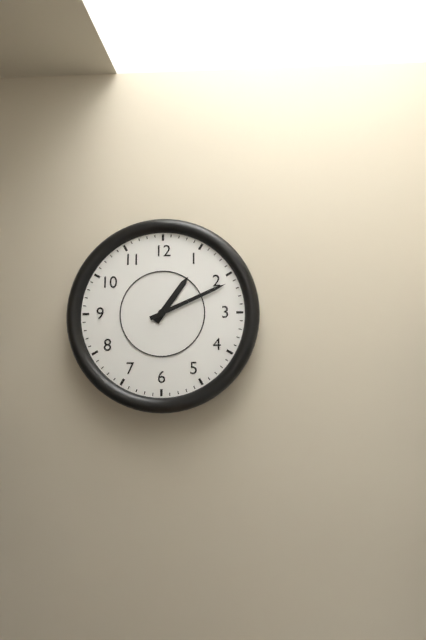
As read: 1.11
